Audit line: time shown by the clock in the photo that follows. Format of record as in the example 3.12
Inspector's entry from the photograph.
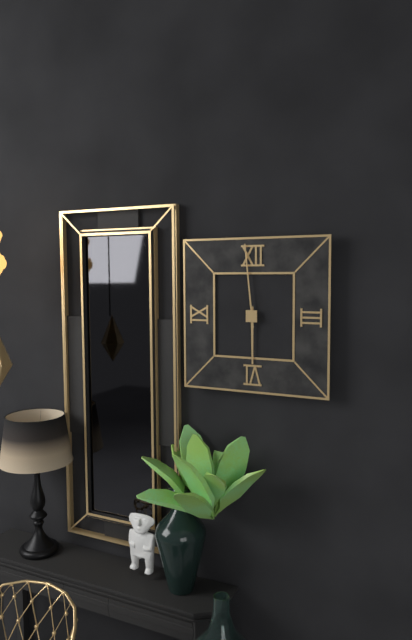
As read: 5.59
